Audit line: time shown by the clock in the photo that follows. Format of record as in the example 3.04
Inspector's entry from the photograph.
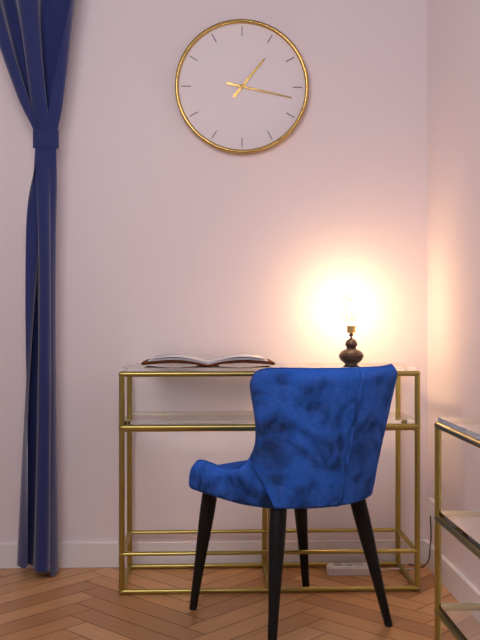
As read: 1.17
